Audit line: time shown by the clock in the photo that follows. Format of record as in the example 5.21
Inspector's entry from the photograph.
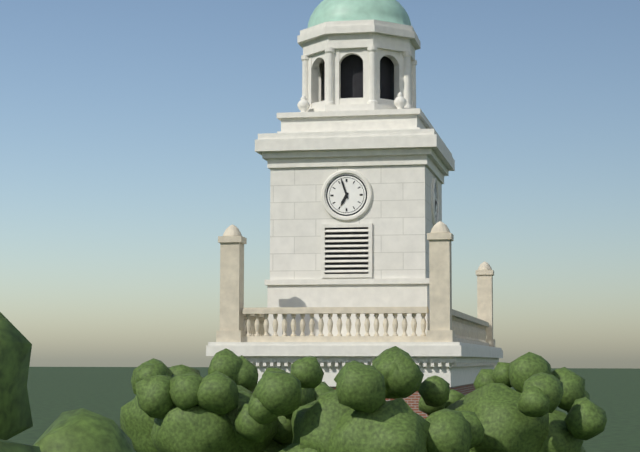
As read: 6.57
